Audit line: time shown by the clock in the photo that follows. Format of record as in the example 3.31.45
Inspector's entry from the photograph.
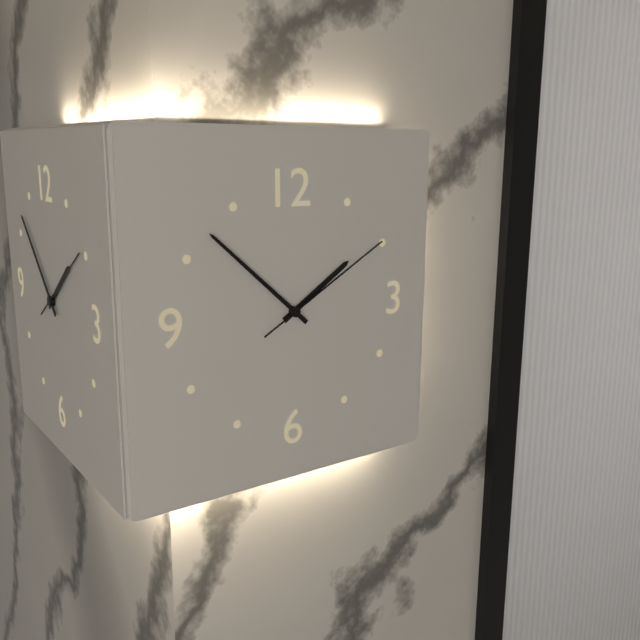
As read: 1.52.10
